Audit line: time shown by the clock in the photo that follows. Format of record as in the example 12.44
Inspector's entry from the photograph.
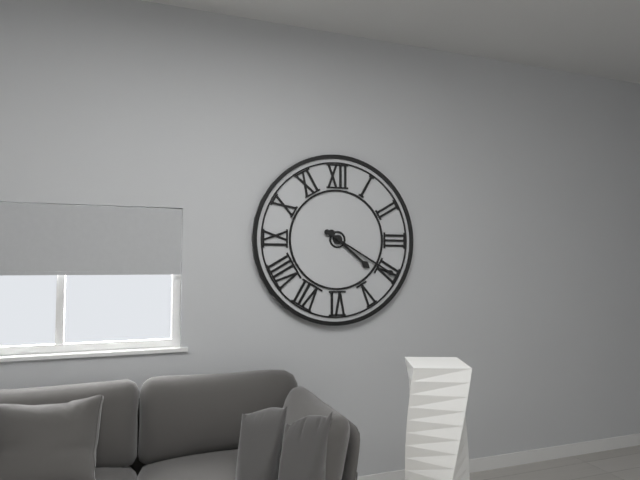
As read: 4.20
